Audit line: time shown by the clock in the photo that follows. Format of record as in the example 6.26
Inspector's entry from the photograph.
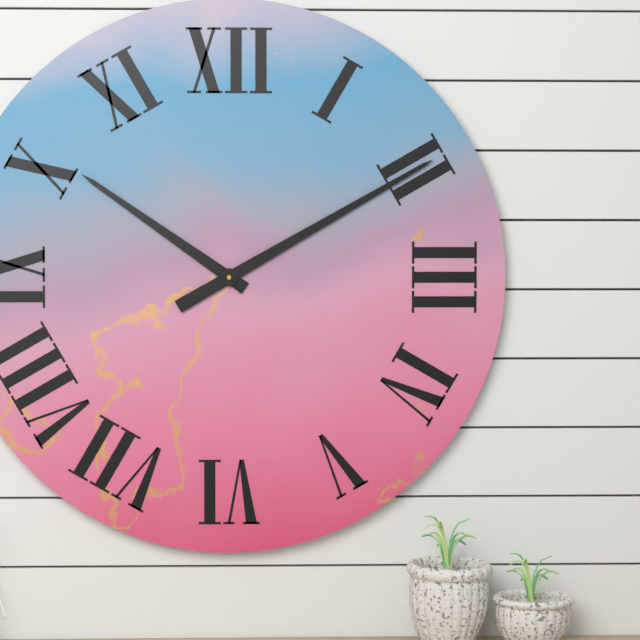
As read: 10.10
